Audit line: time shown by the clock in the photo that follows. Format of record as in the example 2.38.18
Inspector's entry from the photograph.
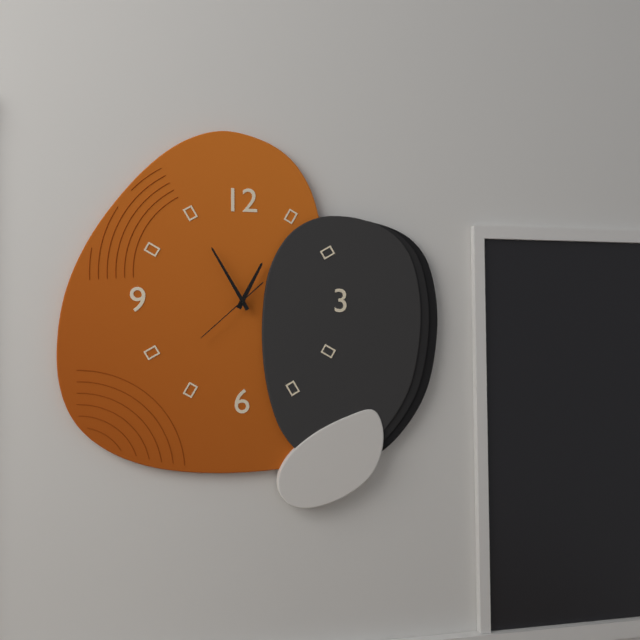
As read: 12.55.38
